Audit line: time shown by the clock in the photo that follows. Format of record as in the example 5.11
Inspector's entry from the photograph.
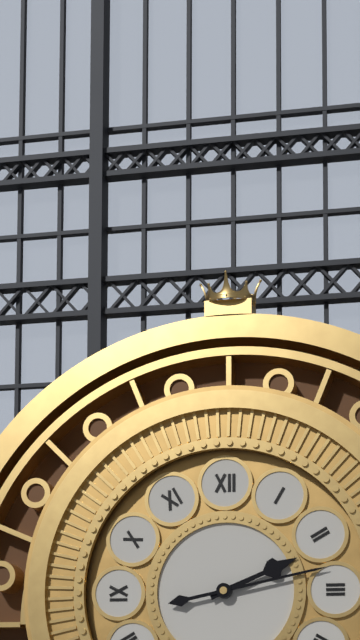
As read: 2.13
